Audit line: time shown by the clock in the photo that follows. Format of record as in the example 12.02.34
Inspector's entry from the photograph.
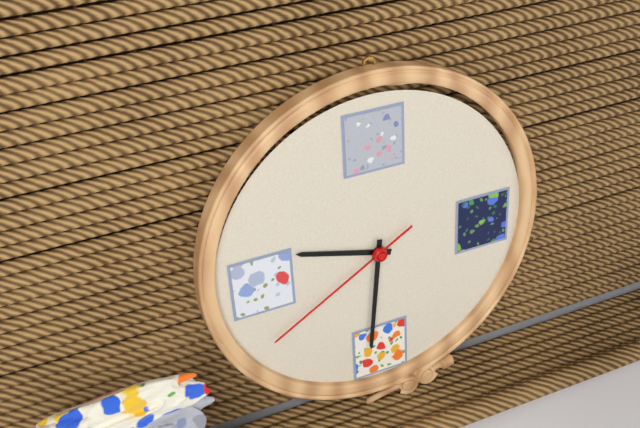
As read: 9.31.40
